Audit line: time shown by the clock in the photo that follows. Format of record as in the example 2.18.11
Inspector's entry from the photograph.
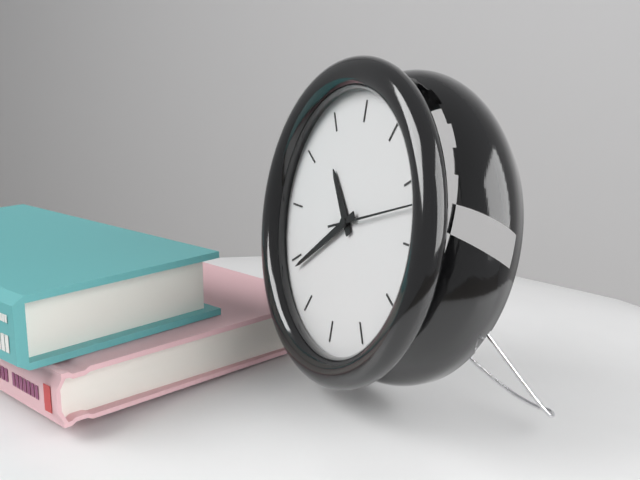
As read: 10.39.12
